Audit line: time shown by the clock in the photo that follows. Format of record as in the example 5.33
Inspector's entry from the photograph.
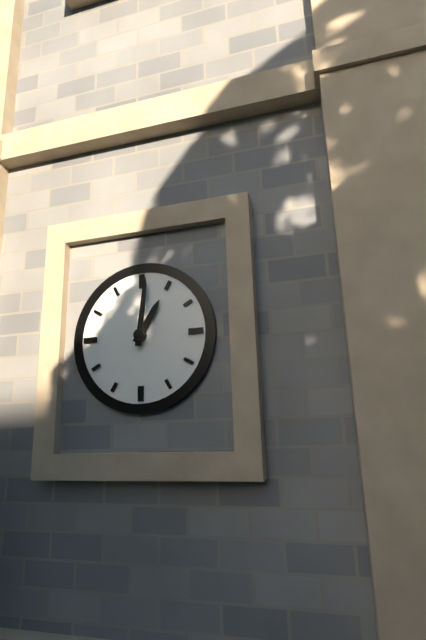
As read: 1.01
